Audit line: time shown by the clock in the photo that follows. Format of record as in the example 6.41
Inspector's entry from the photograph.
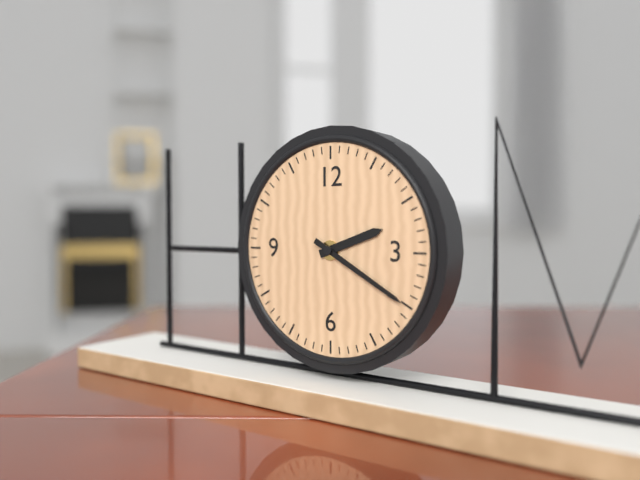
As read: 2.20
